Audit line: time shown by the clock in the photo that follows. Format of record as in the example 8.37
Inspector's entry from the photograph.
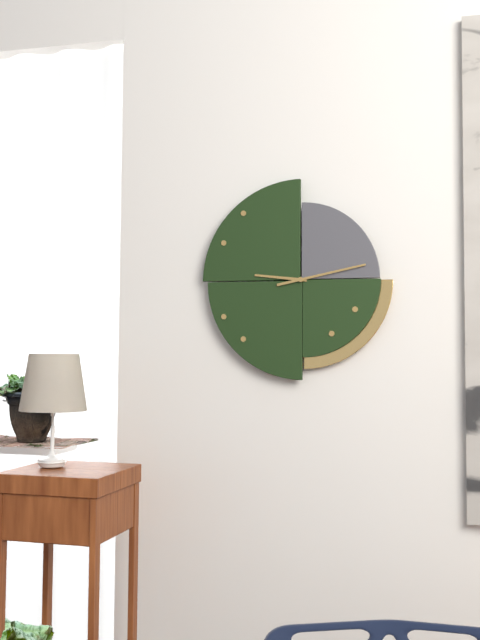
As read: 9.13
